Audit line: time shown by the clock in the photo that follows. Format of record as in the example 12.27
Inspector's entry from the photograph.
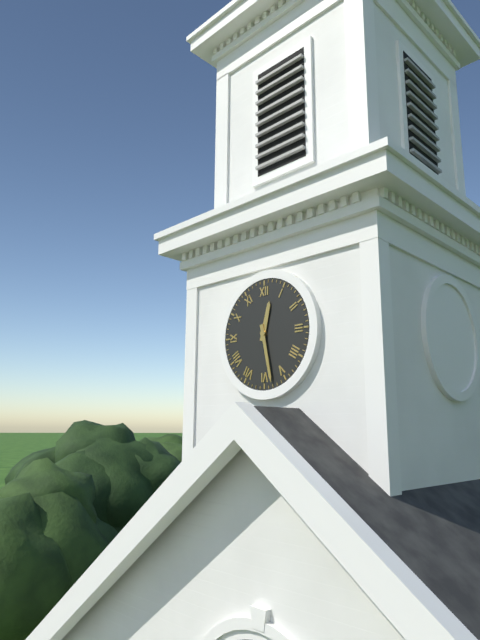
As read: 12.28
